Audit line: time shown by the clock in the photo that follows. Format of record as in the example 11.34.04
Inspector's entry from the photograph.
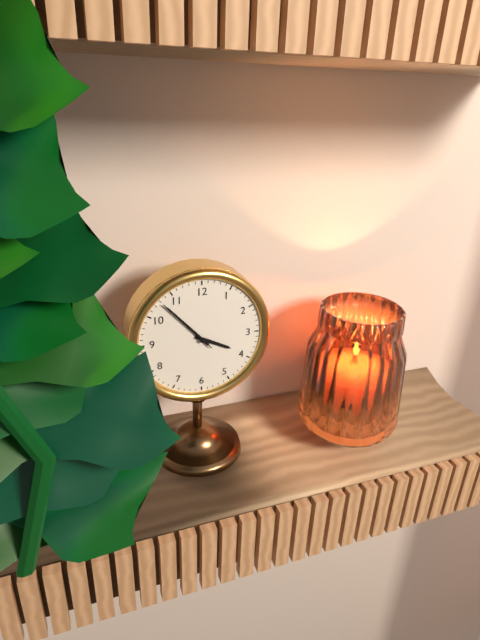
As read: 3.53.53
